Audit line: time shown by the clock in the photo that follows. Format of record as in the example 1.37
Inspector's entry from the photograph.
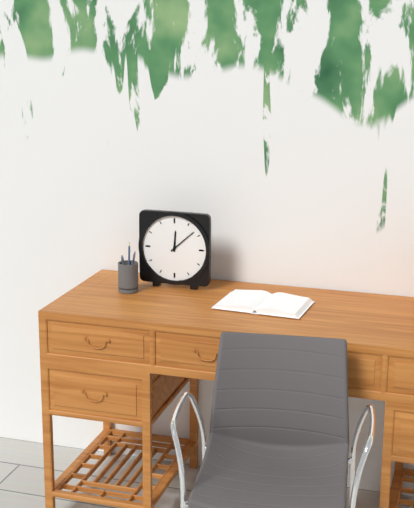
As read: 12.08
